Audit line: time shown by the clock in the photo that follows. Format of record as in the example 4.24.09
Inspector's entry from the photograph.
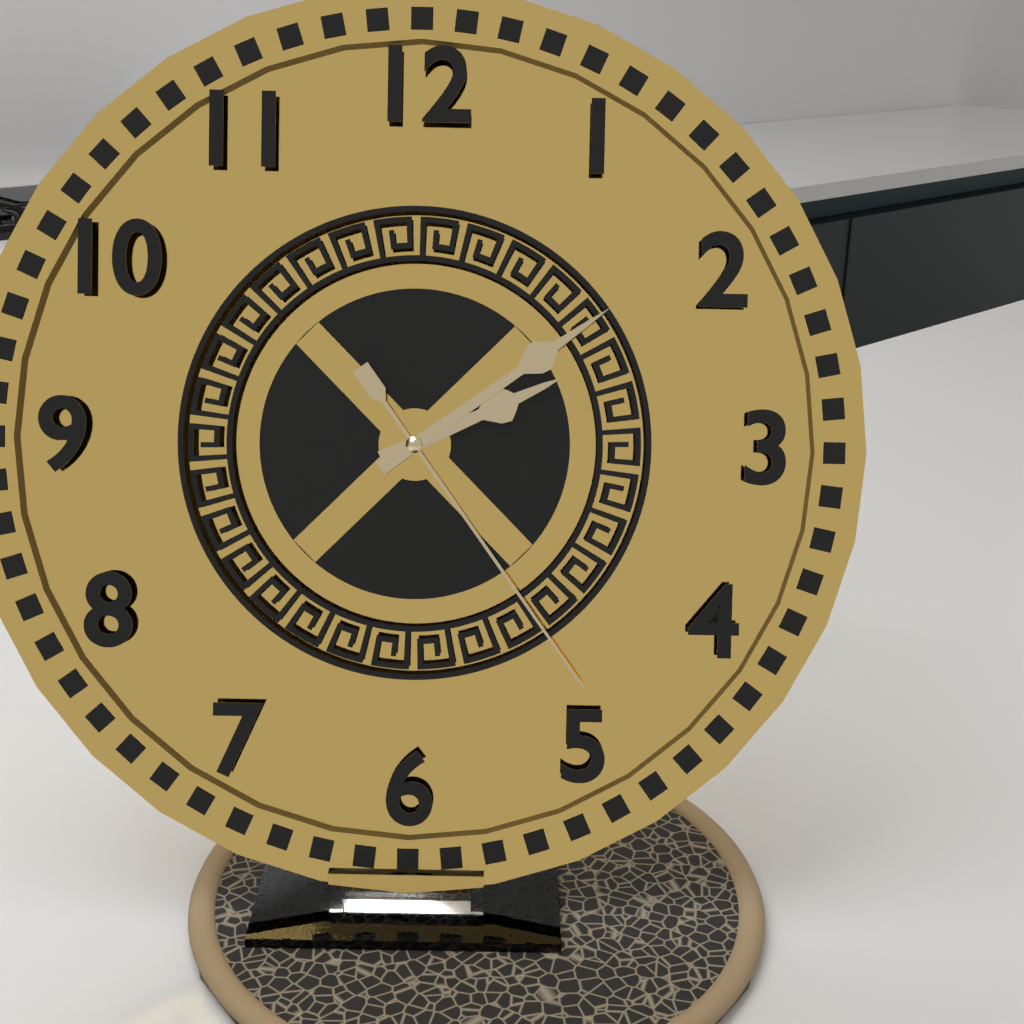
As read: 2.09.24
